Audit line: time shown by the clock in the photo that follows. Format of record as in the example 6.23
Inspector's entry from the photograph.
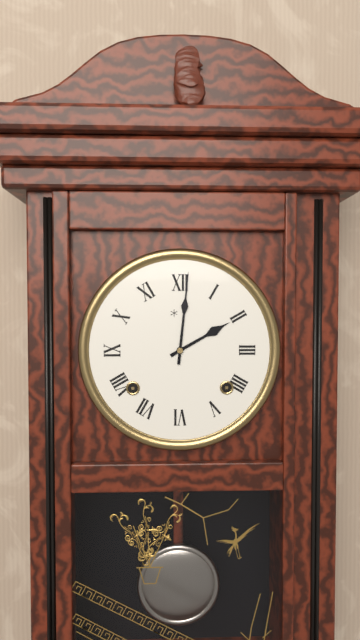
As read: 2.01
